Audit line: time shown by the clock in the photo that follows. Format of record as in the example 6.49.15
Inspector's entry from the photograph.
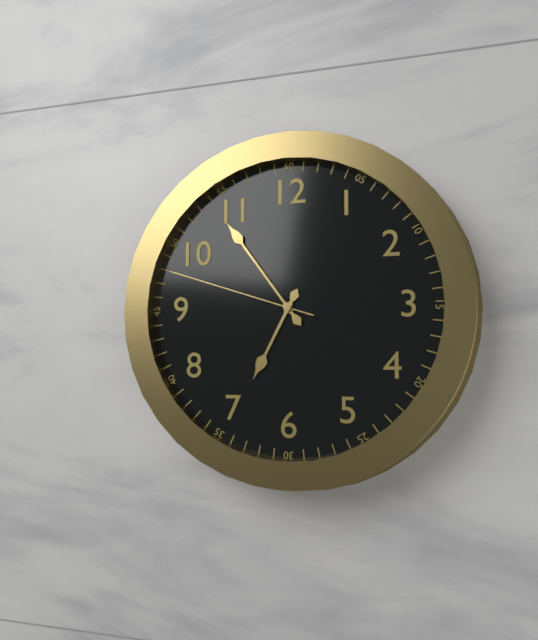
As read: 6.54.48
